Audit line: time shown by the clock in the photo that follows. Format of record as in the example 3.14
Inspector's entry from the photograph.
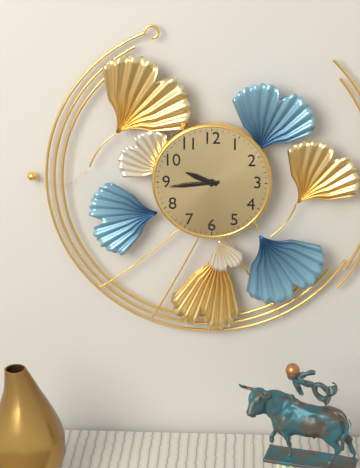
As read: 9.44
